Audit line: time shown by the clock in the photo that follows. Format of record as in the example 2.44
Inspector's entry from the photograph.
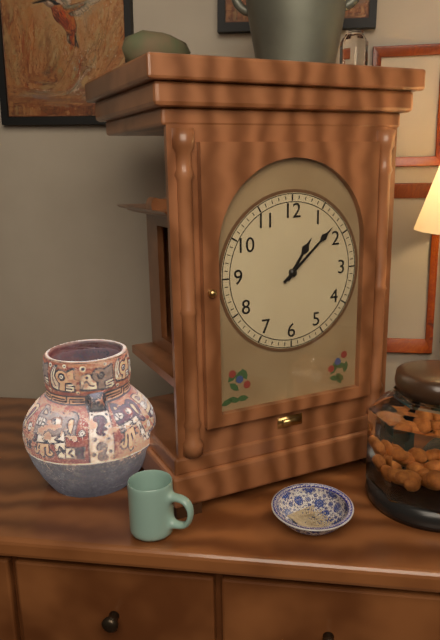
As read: 1.08
